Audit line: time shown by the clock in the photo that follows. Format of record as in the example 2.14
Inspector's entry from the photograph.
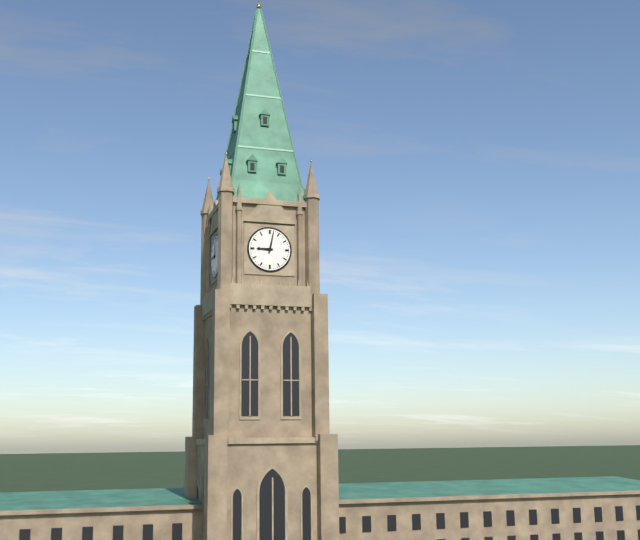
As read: 9.02
